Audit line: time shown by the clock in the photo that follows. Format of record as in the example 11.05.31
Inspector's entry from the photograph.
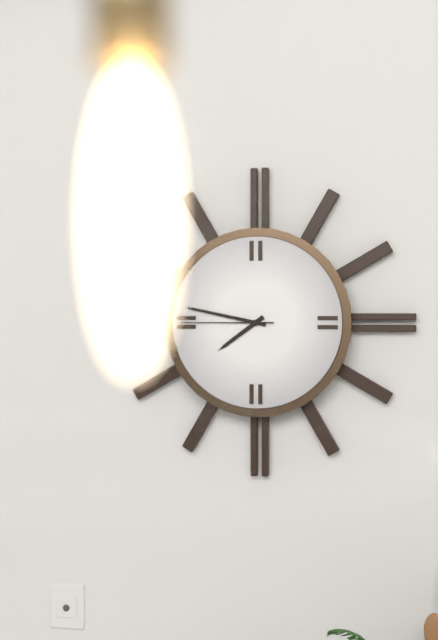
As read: 7.47.45
